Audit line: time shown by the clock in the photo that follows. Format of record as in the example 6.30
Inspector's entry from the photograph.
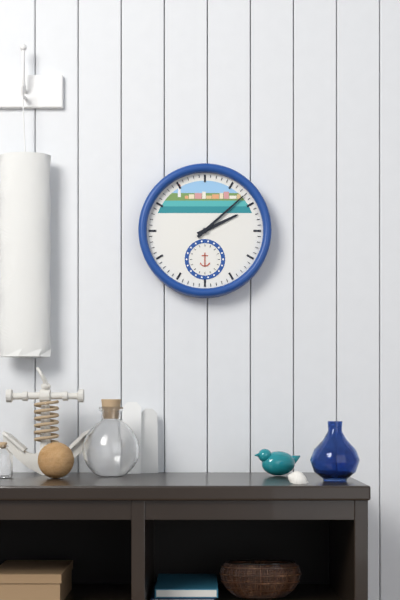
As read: 2.08
